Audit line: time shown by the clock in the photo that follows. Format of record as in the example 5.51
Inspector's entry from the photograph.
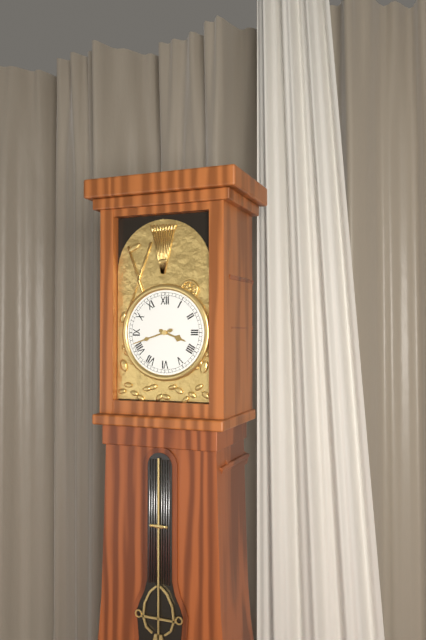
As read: 3.42
